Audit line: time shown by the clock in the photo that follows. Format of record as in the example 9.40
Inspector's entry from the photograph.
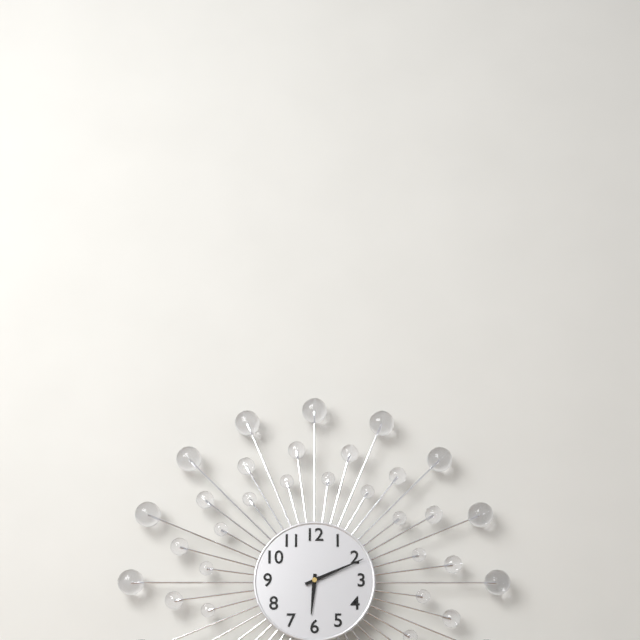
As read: 6.11
